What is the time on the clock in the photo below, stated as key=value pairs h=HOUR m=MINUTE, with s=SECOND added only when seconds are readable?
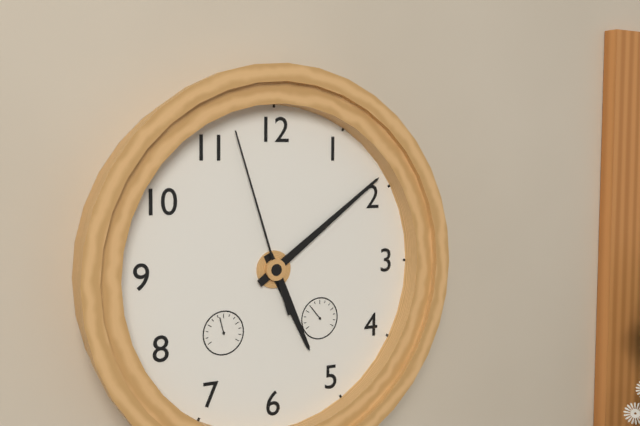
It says h=5 m=9 s=57
